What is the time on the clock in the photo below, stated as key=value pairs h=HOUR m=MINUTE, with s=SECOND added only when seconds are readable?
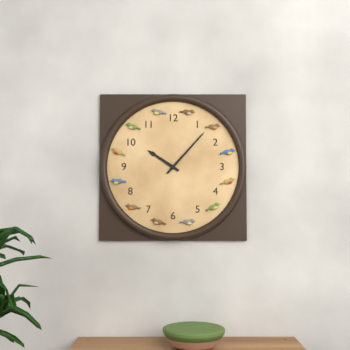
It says h=10 m=7
